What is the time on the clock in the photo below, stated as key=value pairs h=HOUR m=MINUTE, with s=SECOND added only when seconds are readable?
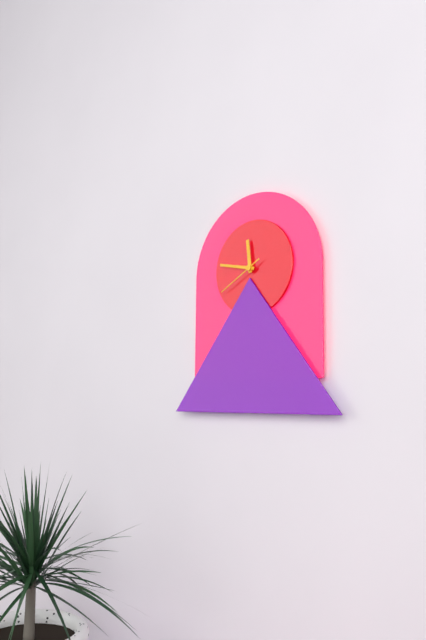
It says h=11 m=47
